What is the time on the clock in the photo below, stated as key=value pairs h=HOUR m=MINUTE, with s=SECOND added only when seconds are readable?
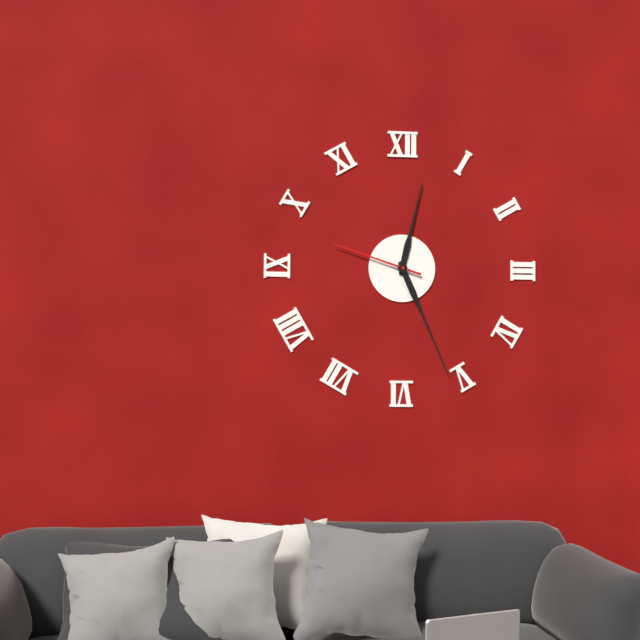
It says h=12 m=26 s=48
